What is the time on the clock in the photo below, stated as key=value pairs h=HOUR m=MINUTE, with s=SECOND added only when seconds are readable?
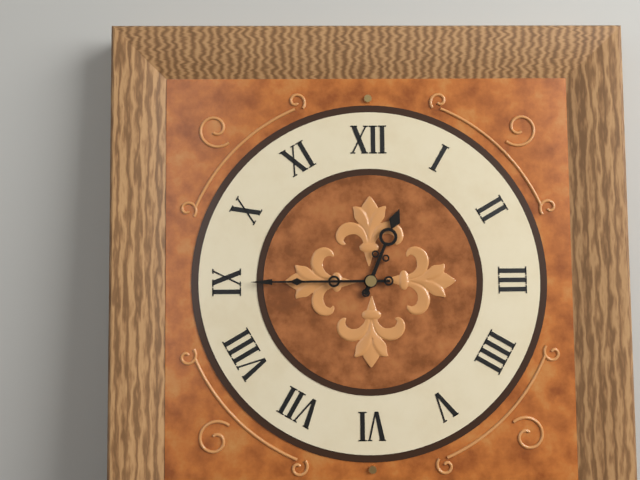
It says h=12 m=45
